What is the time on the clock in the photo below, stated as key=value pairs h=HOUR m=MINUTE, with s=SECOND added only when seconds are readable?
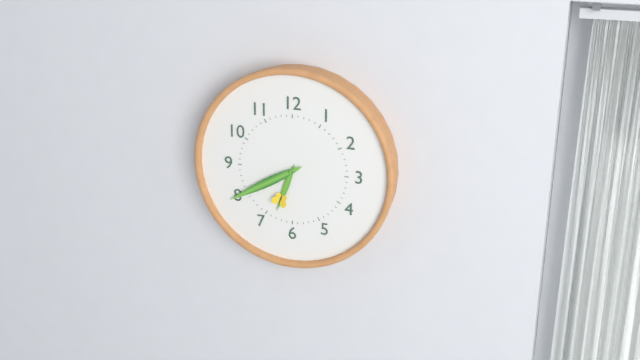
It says h=6 m=40
